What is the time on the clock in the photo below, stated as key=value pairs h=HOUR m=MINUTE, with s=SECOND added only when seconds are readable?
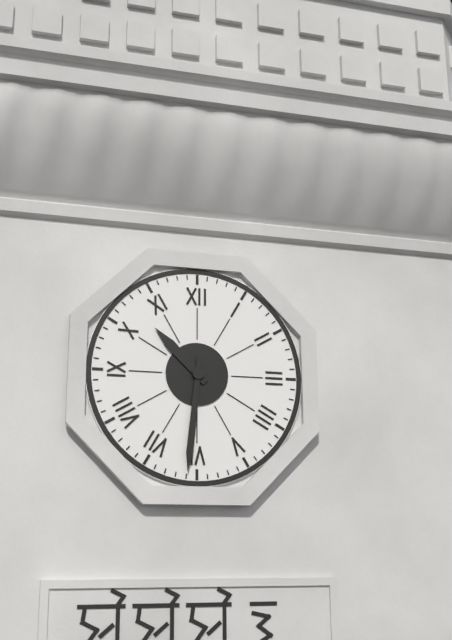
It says h=10 m=31
